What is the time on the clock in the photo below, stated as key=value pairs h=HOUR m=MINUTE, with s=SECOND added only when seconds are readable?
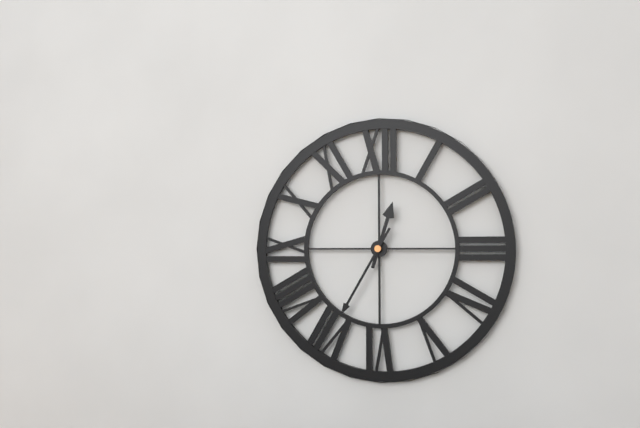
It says h=12 m=35
